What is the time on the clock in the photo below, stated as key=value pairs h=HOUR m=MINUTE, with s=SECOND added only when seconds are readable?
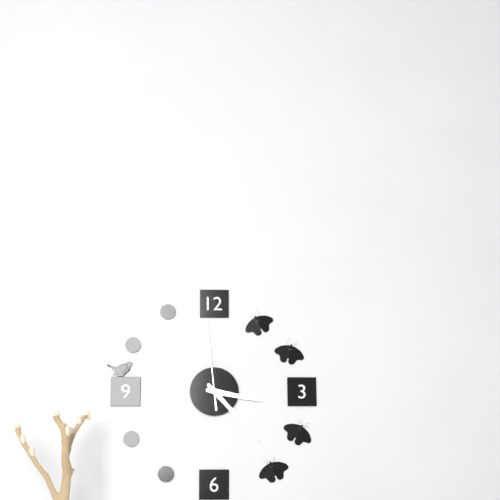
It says h=3 m=23 s=59
